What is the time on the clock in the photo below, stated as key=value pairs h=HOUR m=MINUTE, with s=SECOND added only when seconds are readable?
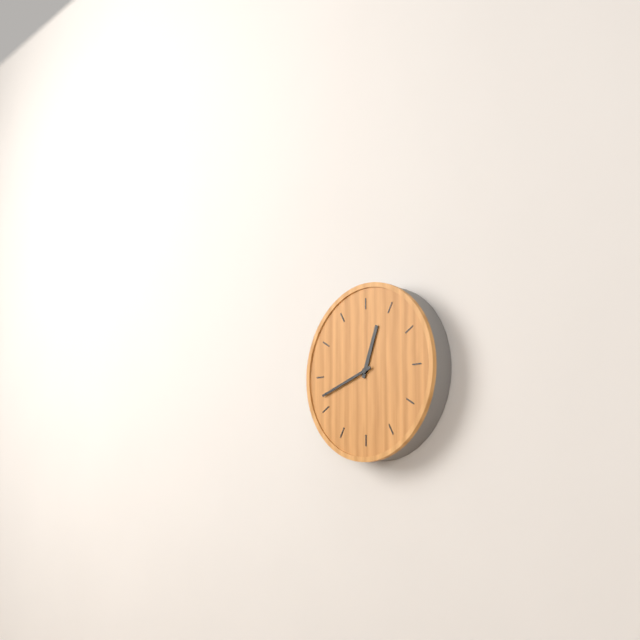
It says h=12 m=42
